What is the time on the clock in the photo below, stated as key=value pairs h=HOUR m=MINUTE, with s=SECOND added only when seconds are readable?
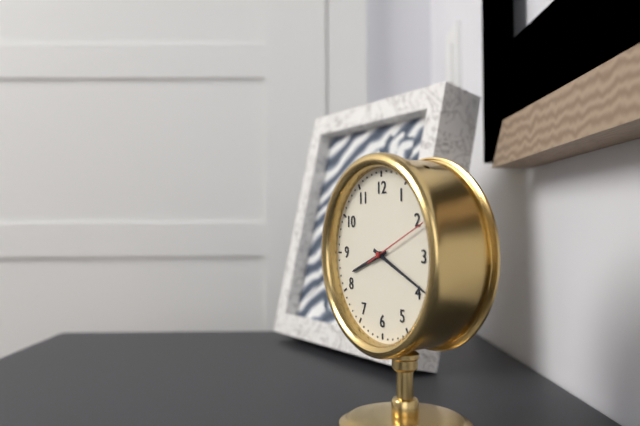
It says h=8 m=19
